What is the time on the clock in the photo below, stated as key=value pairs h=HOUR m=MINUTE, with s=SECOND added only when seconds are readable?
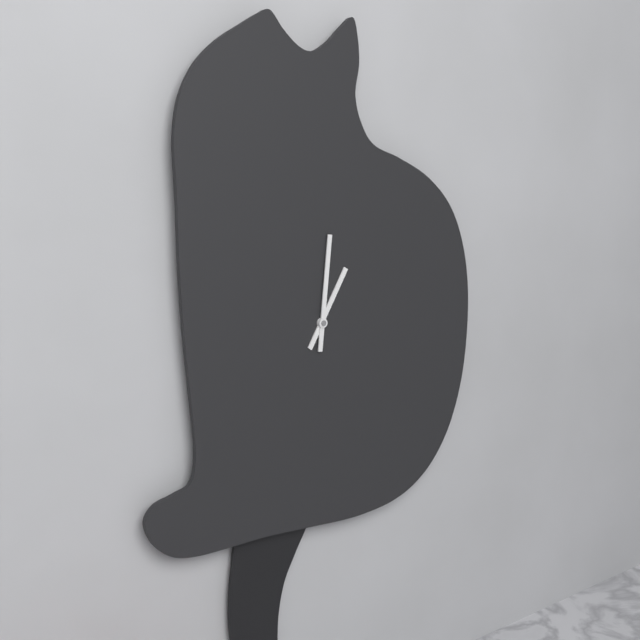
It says h=1 m=1
